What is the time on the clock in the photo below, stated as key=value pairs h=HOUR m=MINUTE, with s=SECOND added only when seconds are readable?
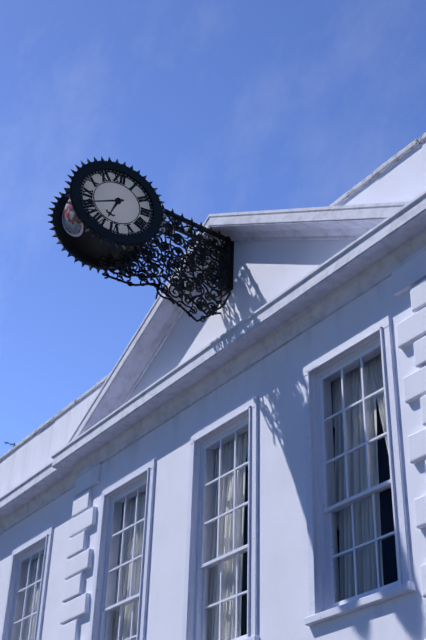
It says h=6 m=41
